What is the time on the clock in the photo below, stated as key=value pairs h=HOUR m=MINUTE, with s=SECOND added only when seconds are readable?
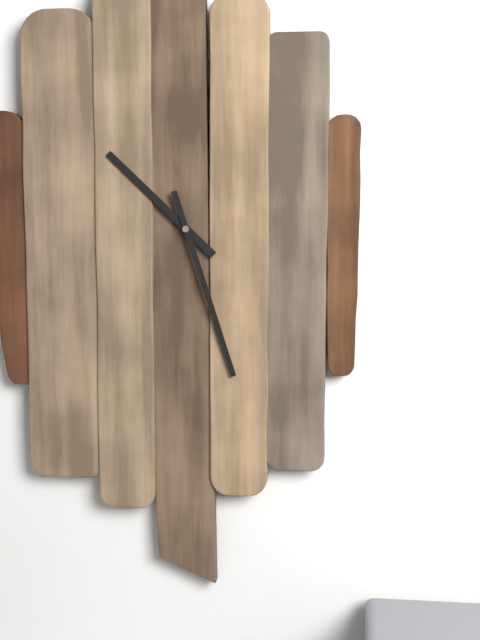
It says h=10 m=27
